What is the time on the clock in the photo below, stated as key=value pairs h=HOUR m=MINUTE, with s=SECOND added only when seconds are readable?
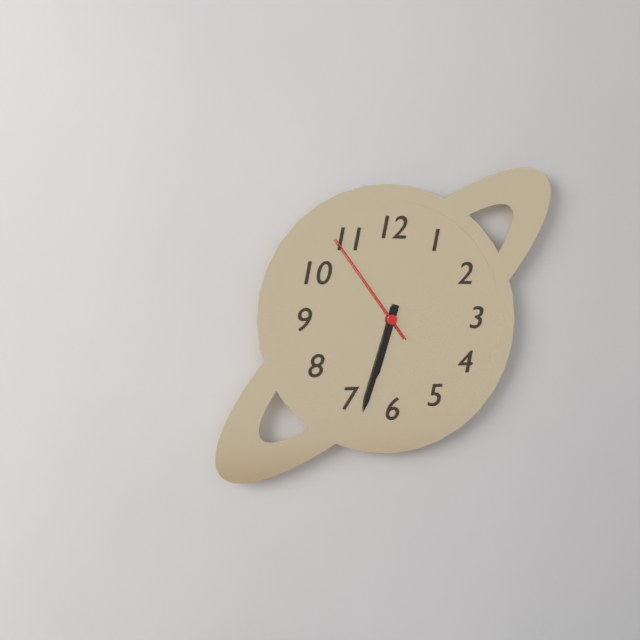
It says h=6 m=33 s=54
